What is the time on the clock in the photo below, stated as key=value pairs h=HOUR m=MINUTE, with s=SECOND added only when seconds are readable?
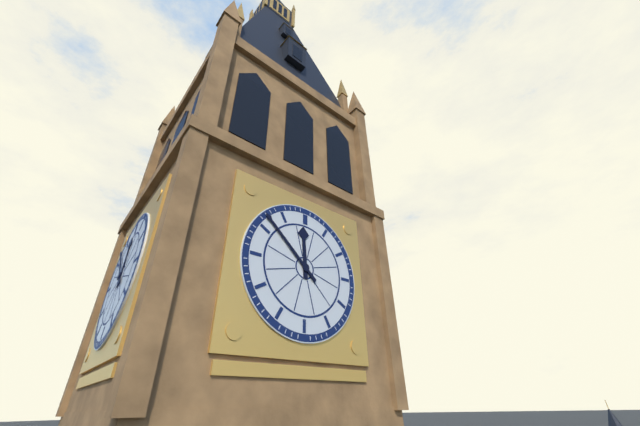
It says h=11 m=52
